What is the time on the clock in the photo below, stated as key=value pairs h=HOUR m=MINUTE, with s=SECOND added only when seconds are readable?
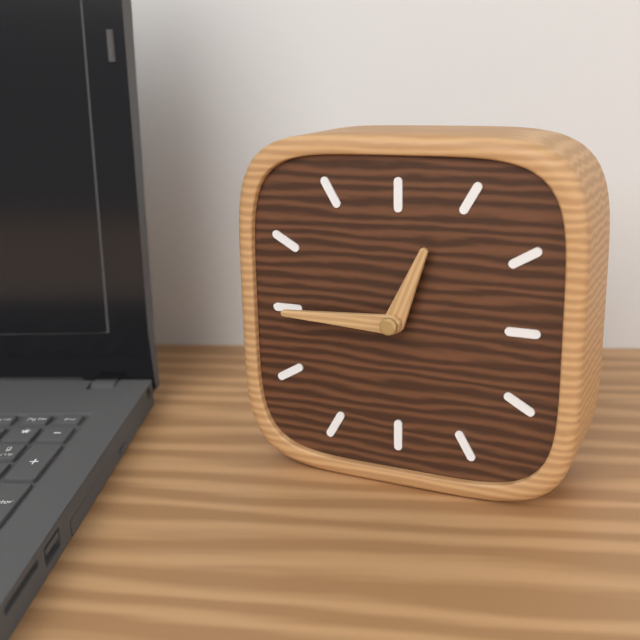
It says h=12 m=45
